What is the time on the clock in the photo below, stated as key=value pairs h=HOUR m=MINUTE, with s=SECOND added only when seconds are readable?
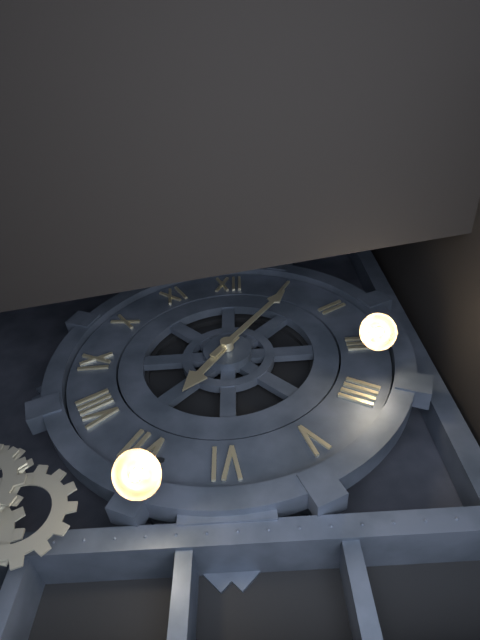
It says h=7 m=6
